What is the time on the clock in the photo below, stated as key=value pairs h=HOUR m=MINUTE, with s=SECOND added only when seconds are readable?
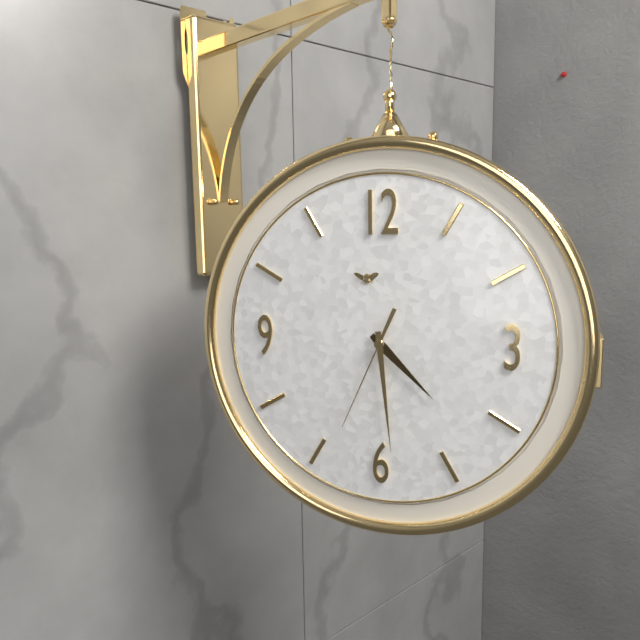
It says h=4 m=29 s=34
